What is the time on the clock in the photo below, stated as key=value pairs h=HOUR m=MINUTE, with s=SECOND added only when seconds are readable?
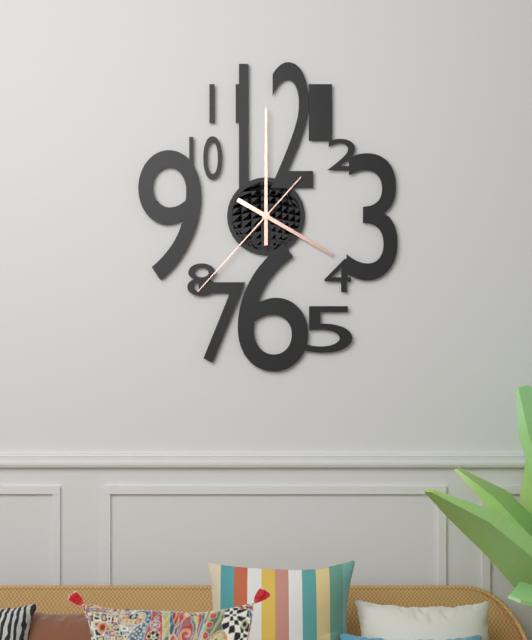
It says h=4 m=0 s=37
